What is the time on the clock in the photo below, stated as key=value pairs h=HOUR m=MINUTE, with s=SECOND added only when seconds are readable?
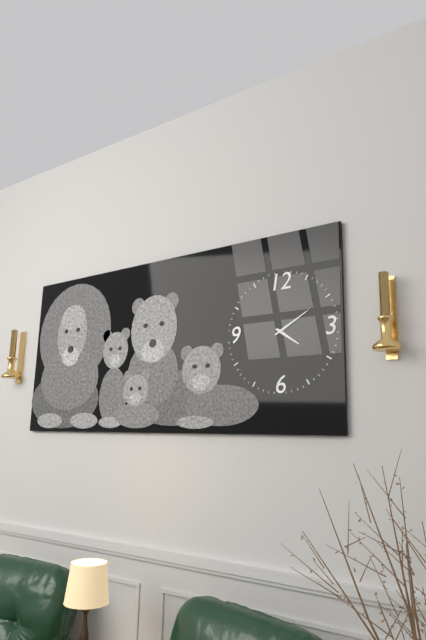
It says h=4 m=10
